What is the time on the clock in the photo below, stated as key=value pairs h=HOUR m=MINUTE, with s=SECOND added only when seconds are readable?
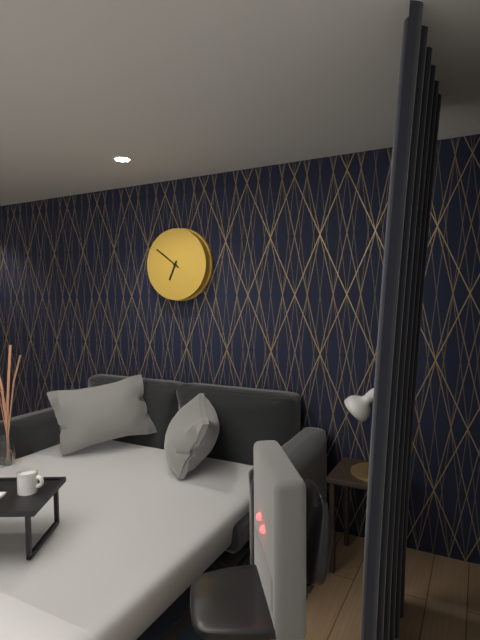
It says h=6 m=51
